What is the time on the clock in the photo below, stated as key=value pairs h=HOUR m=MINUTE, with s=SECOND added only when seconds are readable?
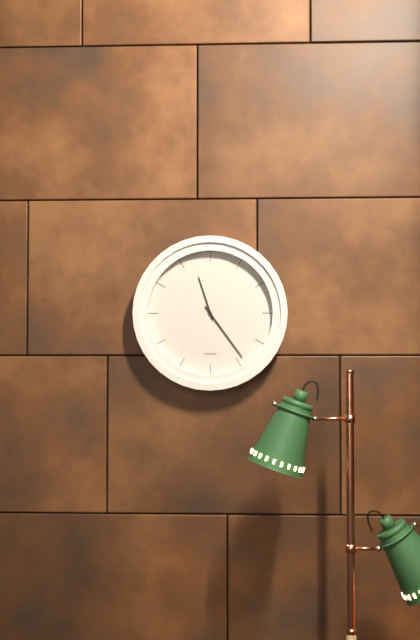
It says h=11 m=24
